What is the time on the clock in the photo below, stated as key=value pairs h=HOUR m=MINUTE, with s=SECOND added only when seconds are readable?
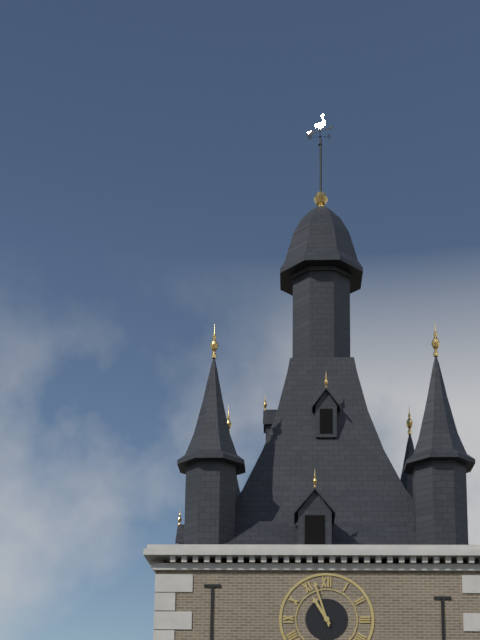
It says h=10 m=57
